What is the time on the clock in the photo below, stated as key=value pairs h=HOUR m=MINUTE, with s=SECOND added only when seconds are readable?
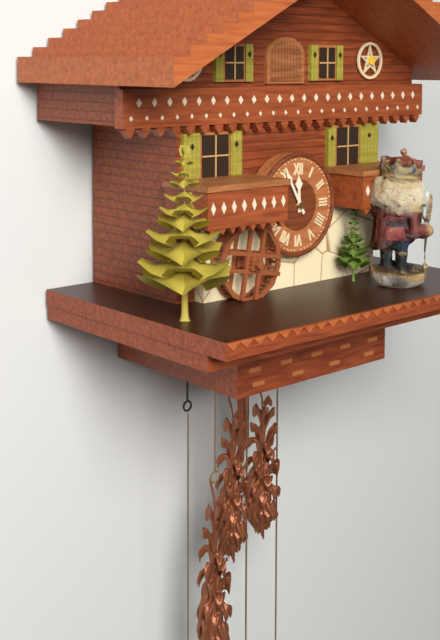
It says h=11 m=55
